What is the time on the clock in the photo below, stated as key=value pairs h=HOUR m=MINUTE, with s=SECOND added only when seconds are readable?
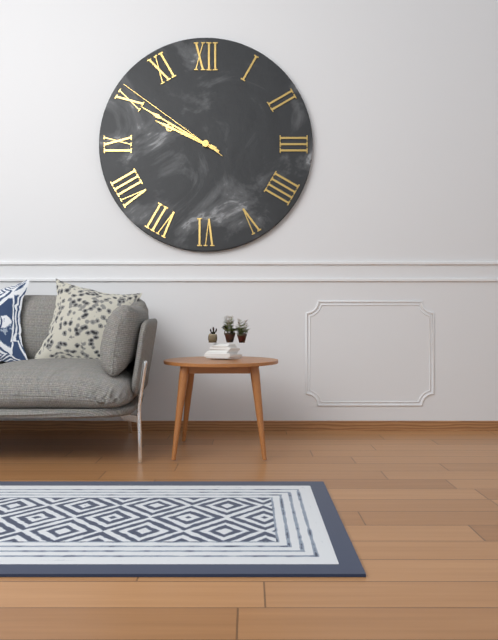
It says h=9 m=50 s=51
